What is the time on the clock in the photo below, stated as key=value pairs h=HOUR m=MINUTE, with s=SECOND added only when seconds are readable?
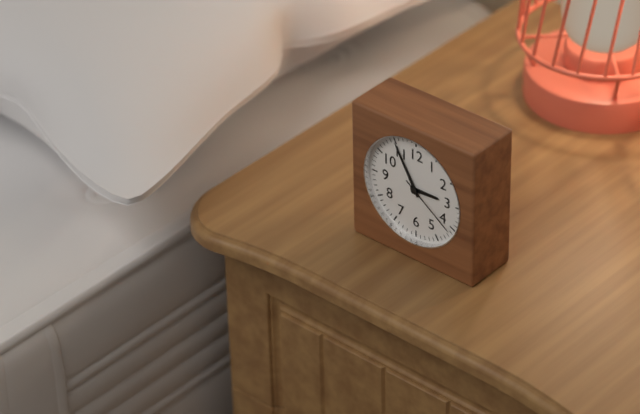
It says h=2 m=55 s=21
